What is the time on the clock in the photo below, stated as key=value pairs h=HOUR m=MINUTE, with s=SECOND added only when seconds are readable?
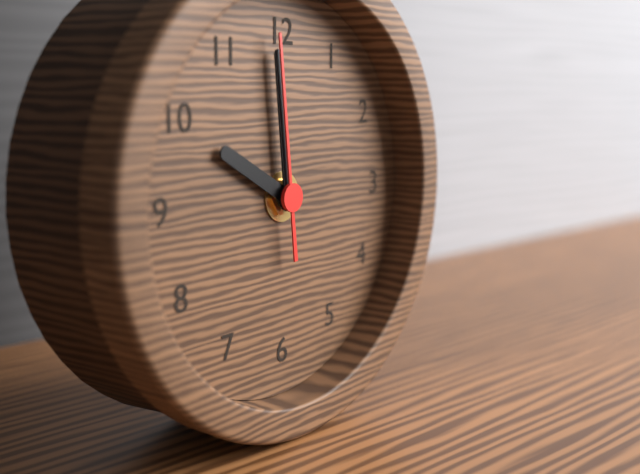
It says h=9 m=59 s=59
